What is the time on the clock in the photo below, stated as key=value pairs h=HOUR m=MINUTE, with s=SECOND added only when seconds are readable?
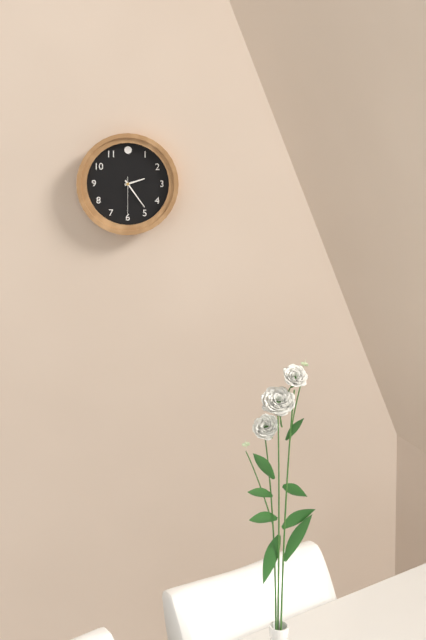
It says h=2 m=24
